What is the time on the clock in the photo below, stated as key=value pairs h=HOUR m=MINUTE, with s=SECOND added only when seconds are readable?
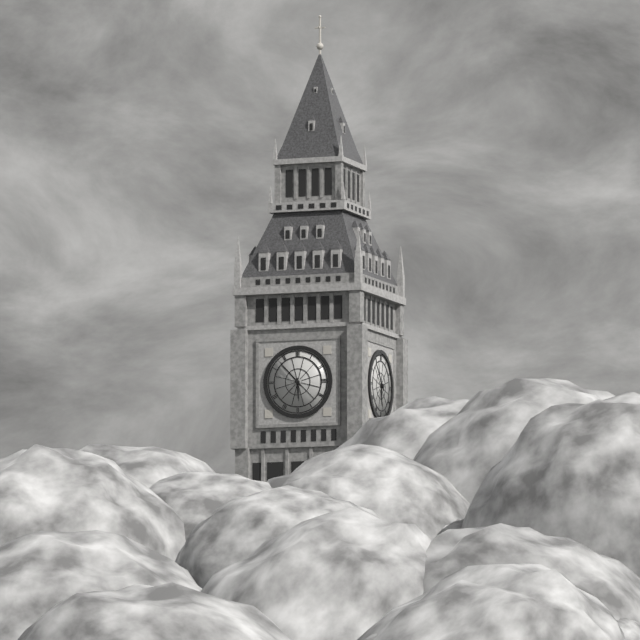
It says h=5 m=53
